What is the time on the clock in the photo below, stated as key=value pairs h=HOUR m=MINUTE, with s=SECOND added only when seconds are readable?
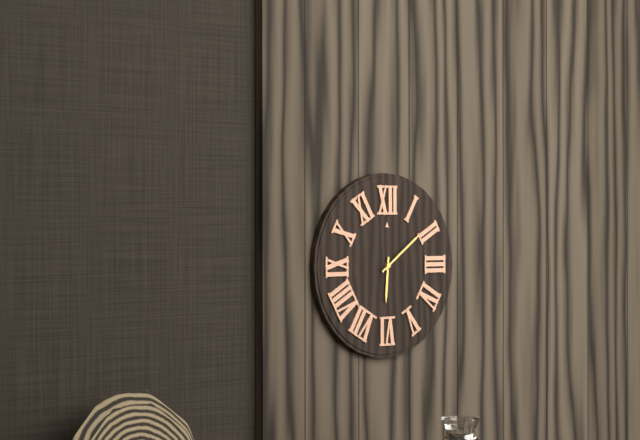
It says h=6 m=9
